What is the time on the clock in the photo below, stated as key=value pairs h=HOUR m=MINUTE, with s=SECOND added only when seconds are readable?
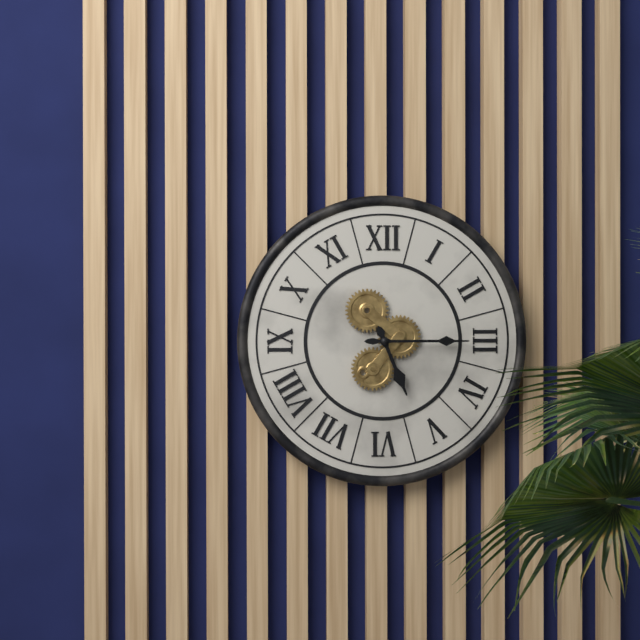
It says h=5 m=15
